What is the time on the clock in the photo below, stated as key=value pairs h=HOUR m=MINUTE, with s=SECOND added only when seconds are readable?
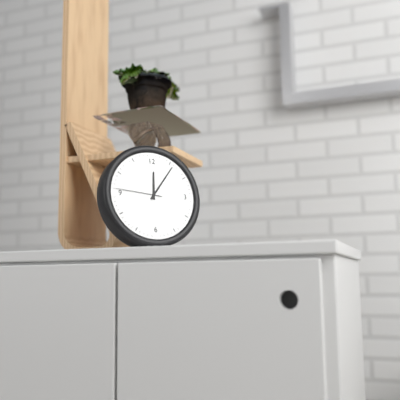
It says h=12 m=6
